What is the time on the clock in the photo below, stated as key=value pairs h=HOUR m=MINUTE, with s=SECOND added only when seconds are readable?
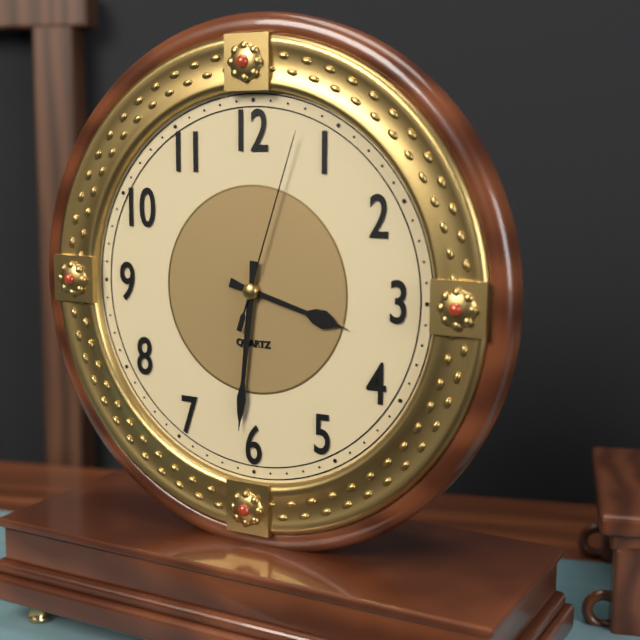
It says h=3 m=31 s=3
